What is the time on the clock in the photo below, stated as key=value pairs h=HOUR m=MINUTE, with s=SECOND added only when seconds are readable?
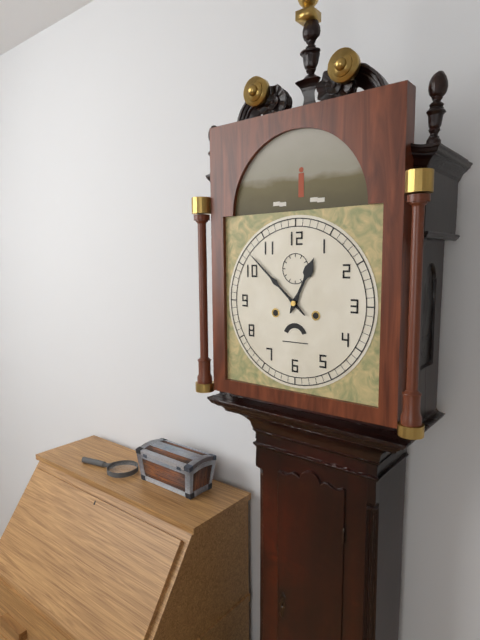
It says h=12 m=52
